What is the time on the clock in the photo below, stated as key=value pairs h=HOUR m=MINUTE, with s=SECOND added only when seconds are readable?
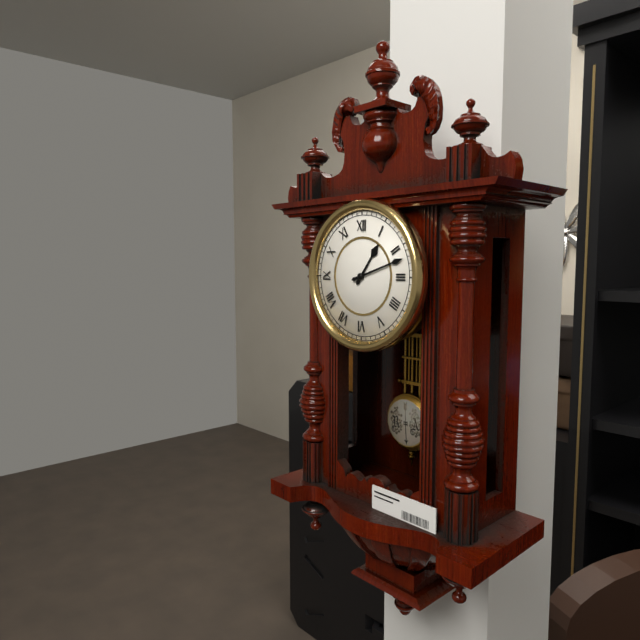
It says h=1 m=12
